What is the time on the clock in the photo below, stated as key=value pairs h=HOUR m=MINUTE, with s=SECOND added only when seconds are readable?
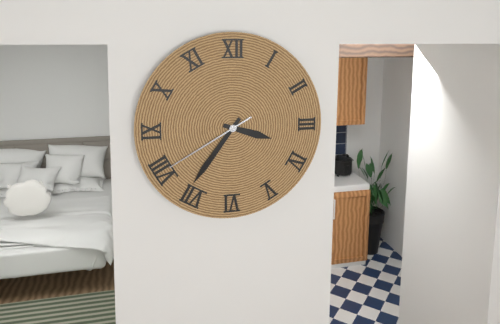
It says h=3 m=36 s=40
